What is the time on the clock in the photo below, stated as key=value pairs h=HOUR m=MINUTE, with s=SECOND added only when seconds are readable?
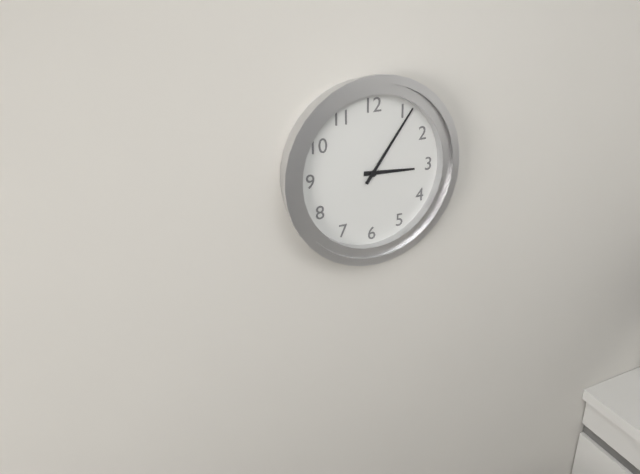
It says h=3 m=6
